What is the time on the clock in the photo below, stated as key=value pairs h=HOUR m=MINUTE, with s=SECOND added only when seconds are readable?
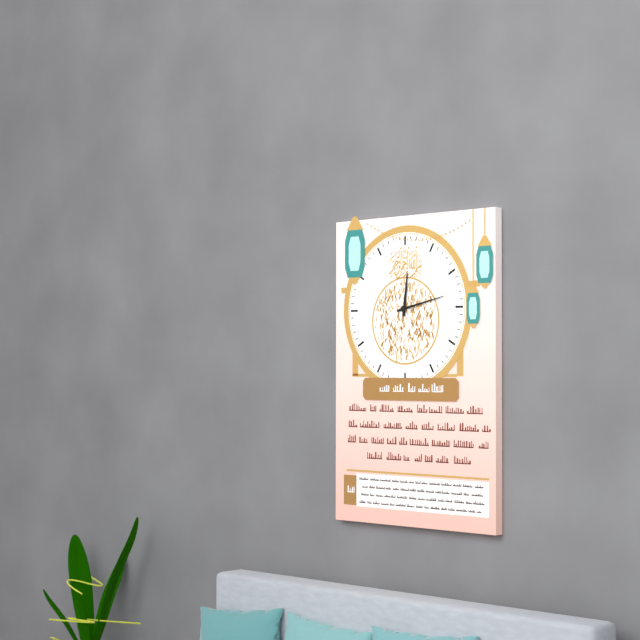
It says h=12 m=13
